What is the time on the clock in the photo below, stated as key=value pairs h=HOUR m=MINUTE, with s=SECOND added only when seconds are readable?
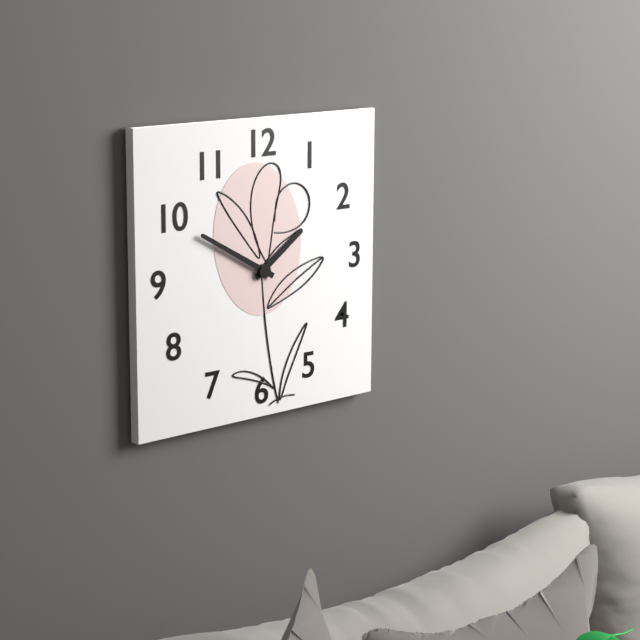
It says h=1 m=50
